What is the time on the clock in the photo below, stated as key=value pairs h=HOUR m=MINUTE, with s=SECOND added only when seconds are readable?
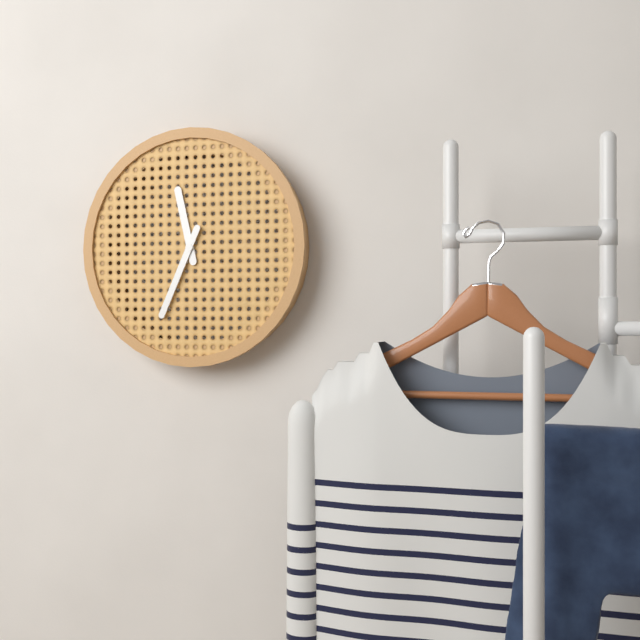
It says h=11 m=34
